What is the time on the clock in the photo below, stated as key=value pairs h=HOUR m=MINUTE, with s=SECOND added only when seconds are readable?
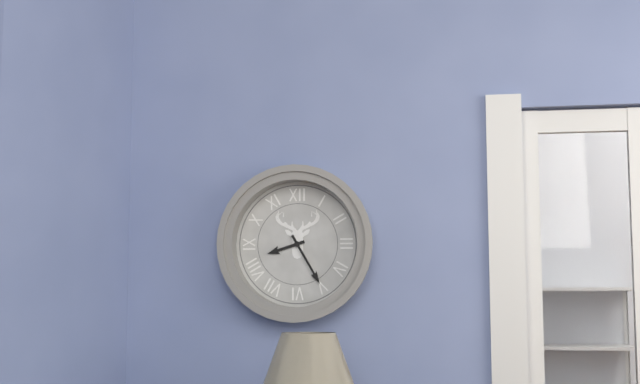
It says h=8 m=25
